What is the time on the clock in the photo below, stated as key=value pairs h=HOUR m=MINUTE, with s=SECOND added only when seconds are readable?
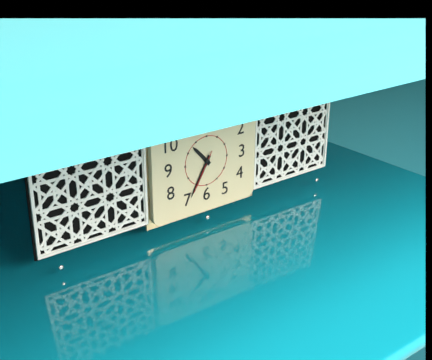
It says h=10 m=35
